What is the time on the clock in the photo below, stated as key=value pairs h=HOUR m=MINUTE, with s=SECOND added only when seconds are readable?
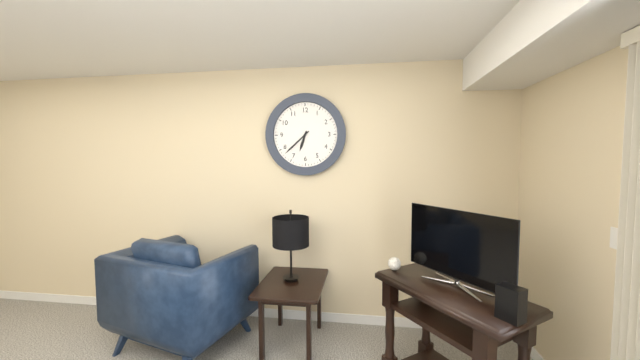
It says h=6 m=38
